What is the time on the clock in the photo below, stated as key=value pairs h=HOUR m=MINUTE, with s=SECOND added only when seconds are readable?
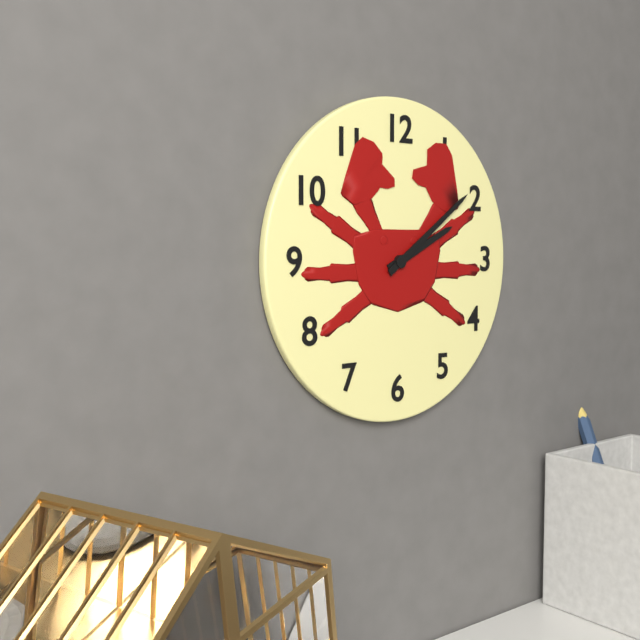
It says h=2 m=9
